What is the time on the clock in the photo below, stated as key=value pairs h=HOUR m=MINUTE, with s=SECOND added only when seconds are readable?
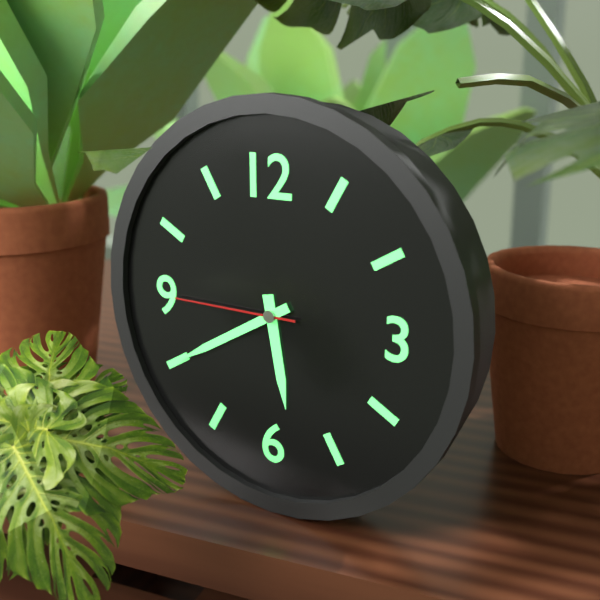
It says h=5 m=40 s=45
